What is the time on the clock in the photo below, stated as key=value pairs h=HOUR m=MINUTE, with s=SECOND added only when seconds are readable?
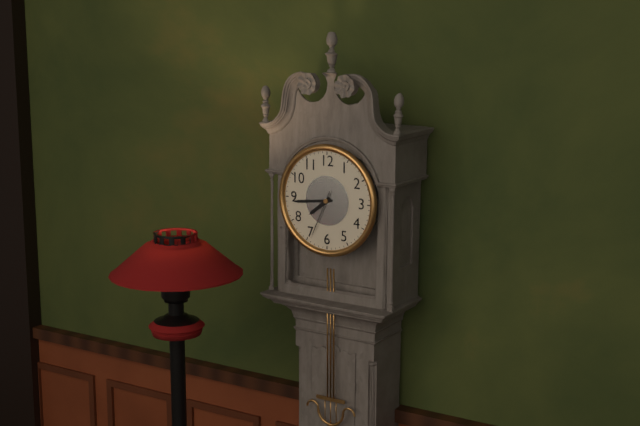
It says h=7 m=44
